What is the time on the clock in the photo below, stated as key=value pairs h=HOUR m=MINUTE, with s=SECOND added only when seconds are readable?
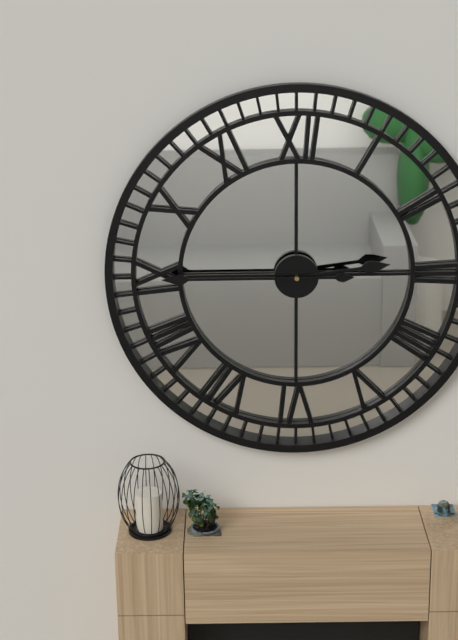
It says h=2 m=45
